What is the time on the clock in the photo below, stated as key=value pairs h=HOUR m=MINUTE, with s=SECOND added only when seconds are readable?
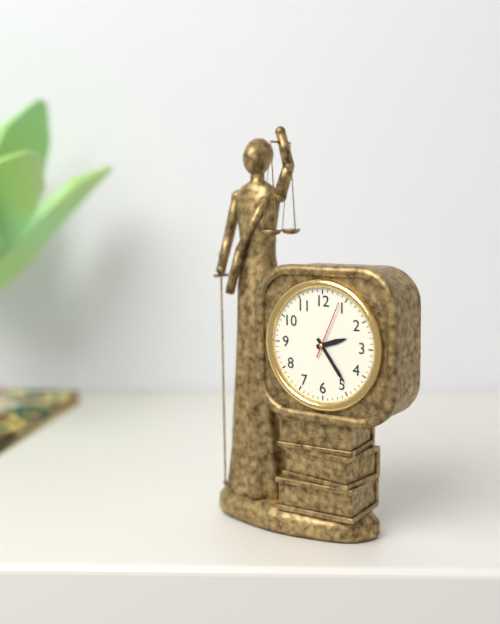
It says h=2 m=24 s=4
